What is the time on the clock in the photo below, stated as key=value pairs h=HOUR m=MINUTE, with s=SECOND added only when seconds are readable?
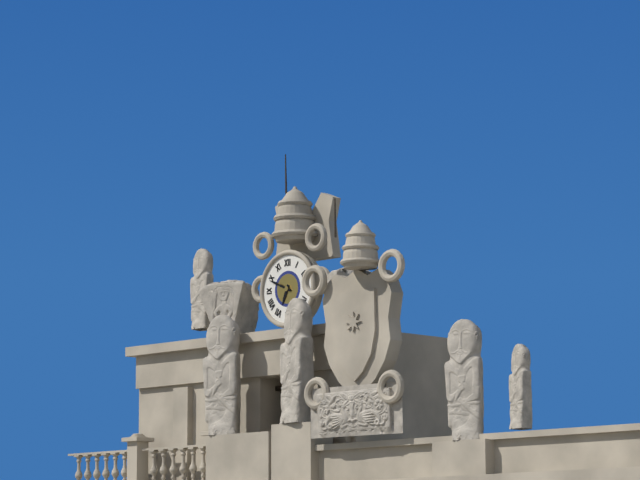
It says h=6 m=49
